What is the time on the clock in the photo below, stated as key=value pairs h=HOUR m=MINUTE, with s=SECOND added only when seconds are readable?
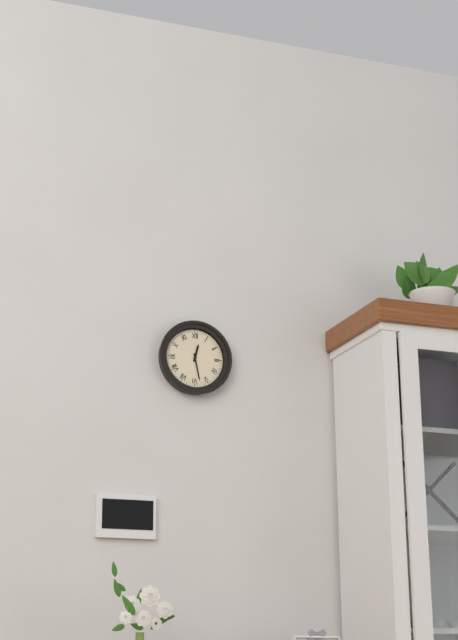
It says h=12 m=28
